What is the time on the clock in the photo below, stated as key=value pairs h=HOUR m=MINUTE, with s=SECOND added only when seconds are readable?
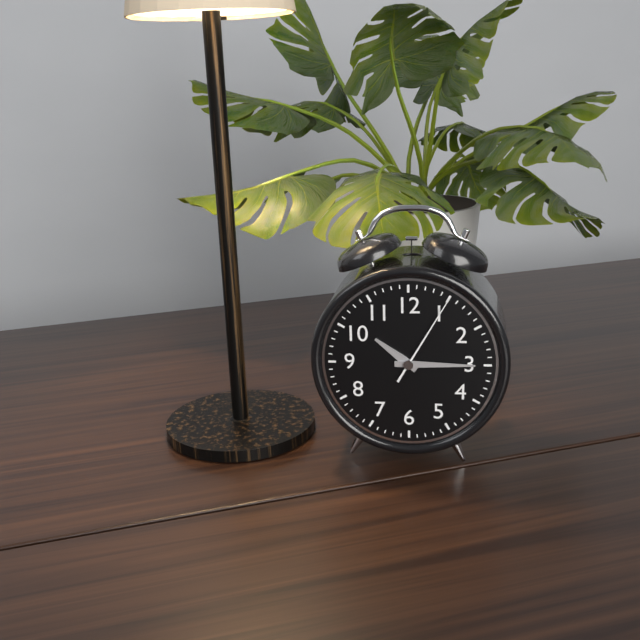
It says h=10 m=15 s=5
